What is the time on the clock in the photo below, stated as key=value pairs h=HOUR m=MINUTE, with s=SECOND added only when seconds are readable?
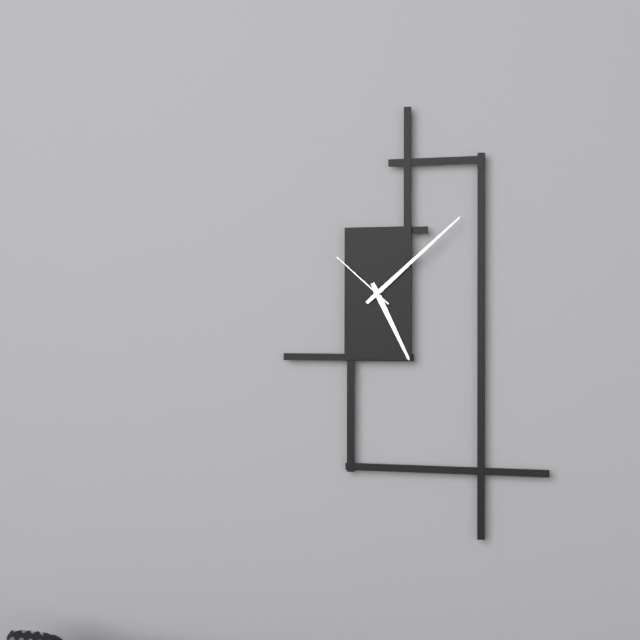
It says h=5 m=8 s=52
